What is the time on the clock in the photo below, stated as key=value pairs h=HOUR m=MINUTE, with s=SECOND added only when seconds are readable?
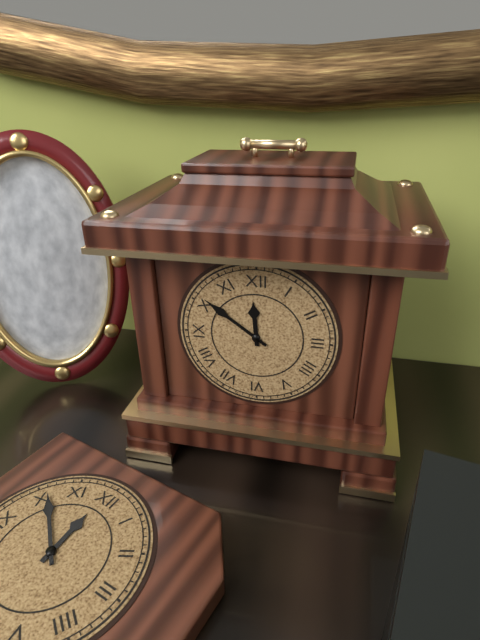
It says h=11 m=51
